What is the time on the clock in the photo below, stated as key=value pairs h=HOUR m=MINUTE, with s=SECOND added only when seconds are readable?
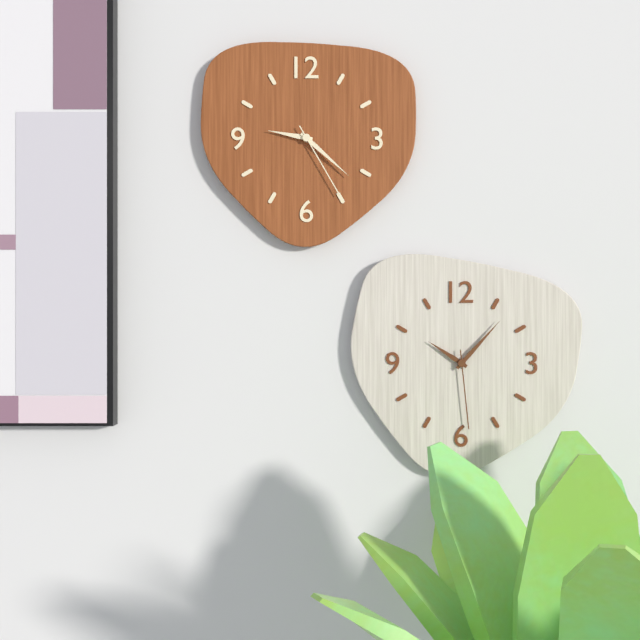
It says h=9 m=22 s=25
